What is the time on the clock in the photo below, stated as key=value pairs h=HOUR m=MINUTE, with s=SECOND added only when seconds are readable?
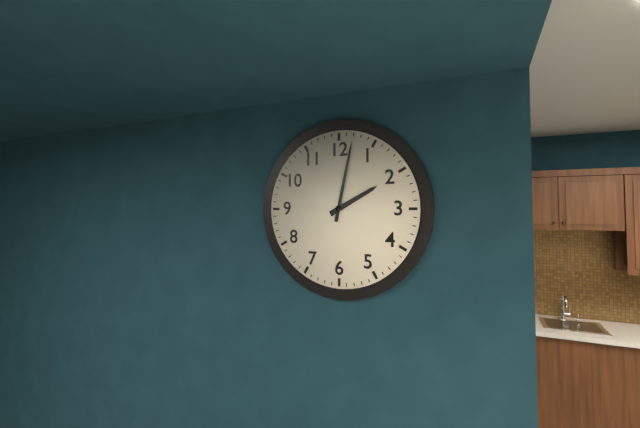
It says h=2 m=2
